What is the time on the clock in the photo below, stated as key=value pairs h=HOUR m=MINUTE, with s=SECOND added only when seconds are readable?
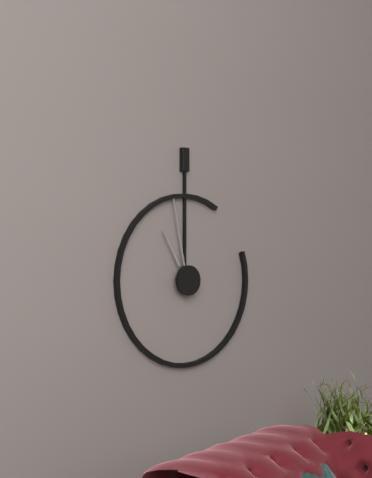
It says h=10 m=58
